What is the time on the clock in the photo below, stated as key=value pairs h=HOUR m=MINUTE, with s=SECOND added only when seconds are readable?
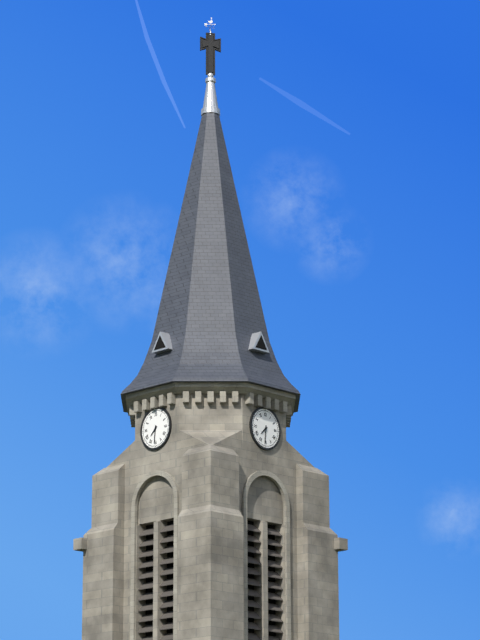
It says h=7 m=31
